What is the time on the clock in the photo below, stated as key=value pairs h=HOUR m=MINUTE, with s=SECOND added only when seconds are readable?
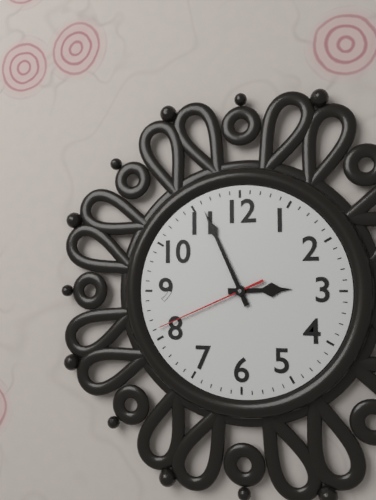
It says h=2 m=56 s=41
